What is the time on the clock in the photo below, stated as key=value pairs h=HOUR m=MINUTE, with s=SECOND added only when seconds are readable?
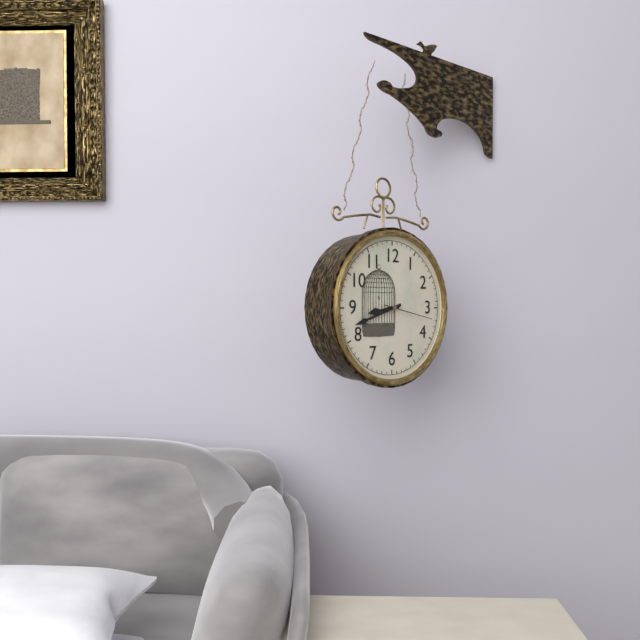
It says h=8 m=42
